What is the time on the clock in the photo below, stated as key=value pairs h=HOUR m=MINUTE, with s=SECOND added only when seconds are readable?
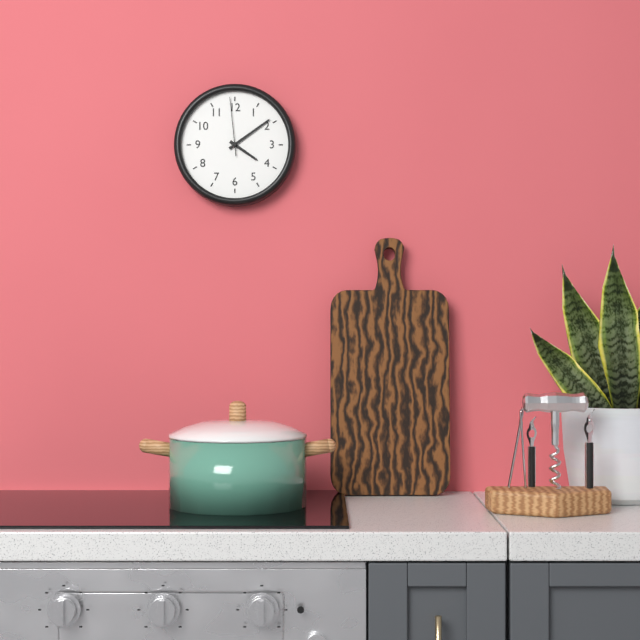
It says h=4 m=9 s=59
